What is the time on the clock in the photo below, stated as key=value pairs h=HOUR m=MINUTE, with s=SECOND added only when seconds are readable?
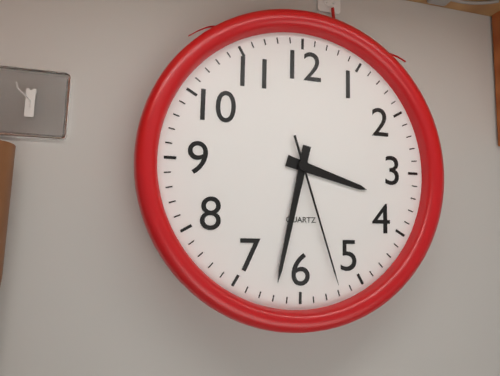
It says h=3 m=32 s=27
